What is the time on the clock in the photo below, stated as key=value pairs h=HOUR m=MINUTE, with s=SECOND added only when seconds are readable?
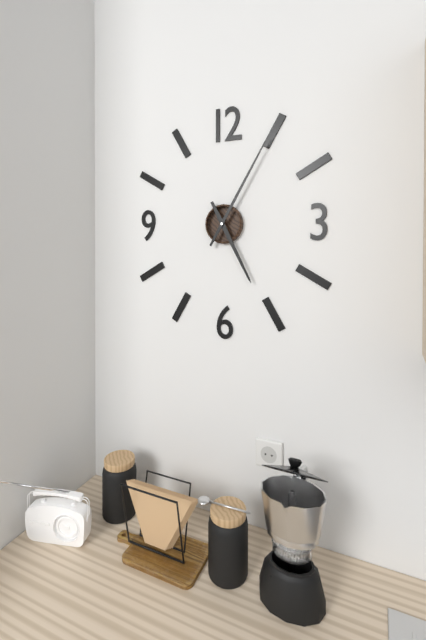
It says h=5 m=5
